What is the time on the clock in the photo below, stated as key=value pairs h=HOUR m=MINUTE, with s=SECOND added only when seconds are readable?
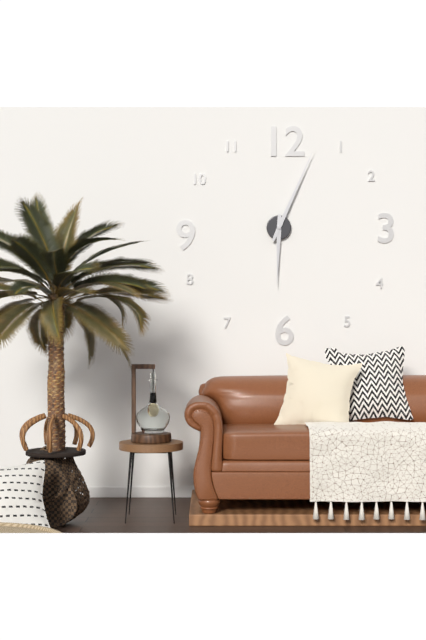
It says h=6 m=4
